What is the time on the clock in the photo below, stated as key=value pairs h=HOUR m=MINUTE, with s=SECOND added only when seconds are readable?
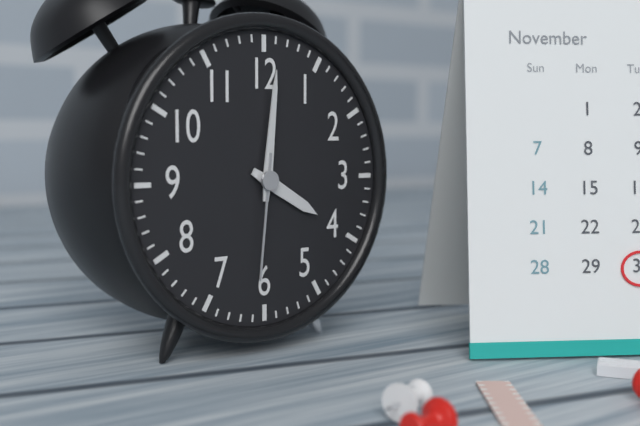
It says h=4 m=1 s=31
